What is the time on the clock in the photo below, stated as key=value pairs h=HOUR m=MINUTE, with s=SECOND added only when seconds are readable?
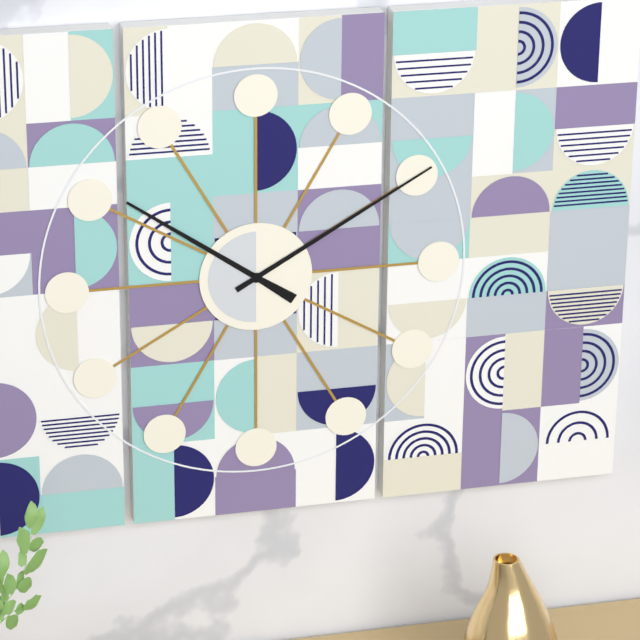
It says h=10 m=10
